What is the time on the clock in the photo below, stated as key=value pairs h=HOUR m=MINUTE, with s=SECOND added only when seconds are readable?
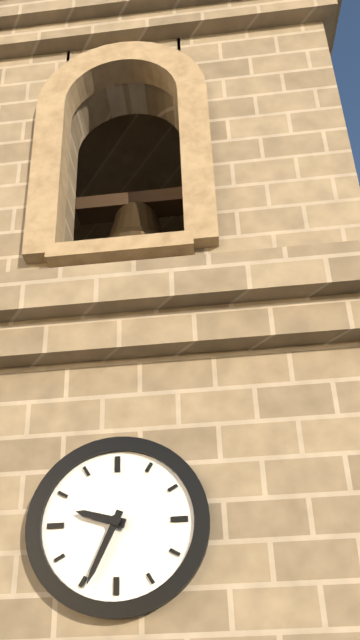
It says h=9 m=34
